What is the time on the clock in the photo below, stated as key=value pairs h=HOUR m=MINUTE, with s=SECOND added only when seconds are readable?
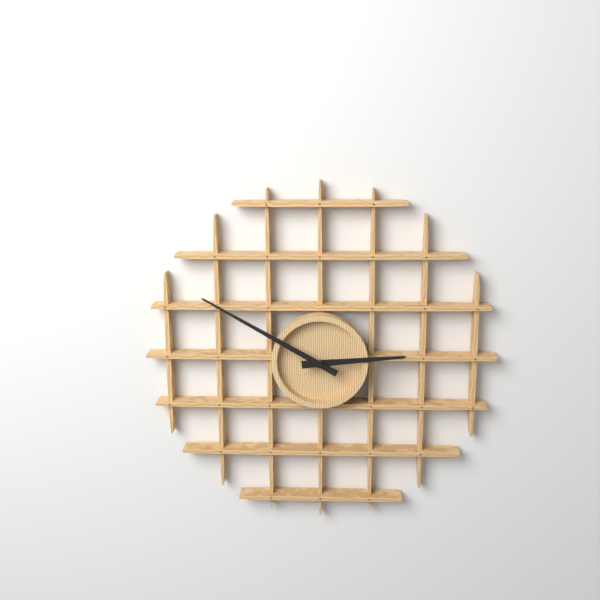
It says h=2 m=50
